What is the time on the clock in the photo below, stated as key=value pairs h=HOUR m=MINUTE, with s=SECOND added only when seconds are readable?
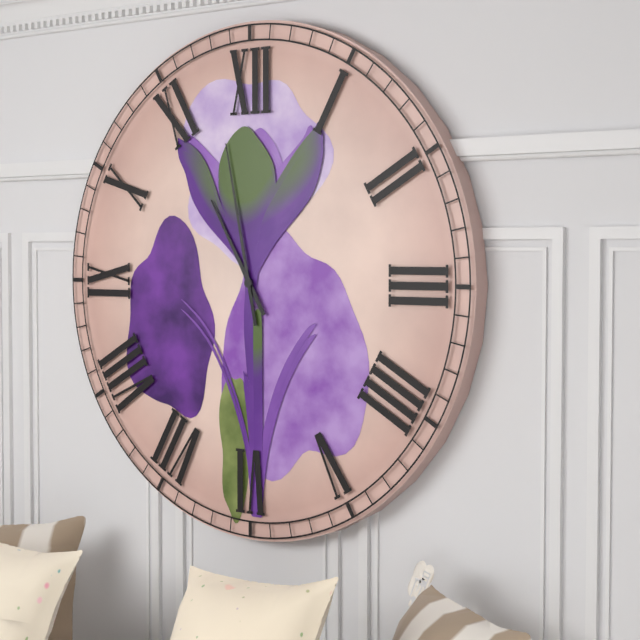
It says h=10 m=58
